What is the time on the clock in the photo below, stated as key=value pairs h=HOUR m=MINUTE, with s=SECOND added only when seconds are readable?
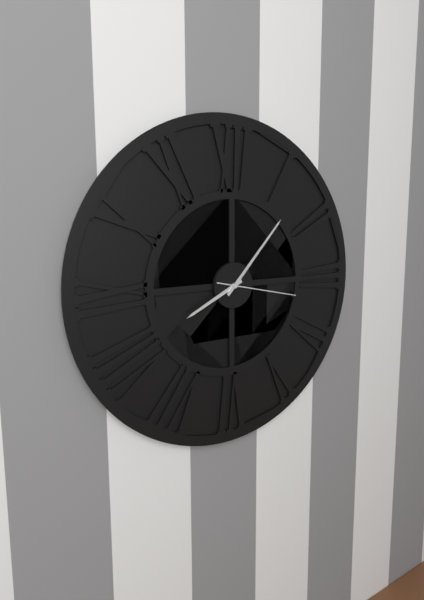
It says h=8 m=7 s=17
